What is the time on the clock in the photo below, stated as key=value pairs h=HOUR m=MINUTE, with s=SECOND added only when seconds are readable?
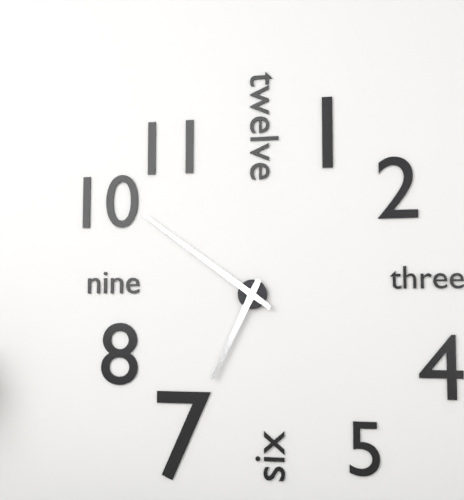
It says h=6 m=51
